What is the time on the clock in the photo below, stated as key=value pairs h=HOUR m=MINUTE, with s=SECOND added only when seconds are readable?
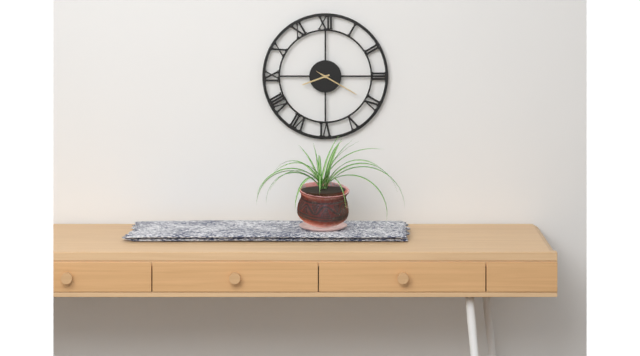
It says h=8 m=20
